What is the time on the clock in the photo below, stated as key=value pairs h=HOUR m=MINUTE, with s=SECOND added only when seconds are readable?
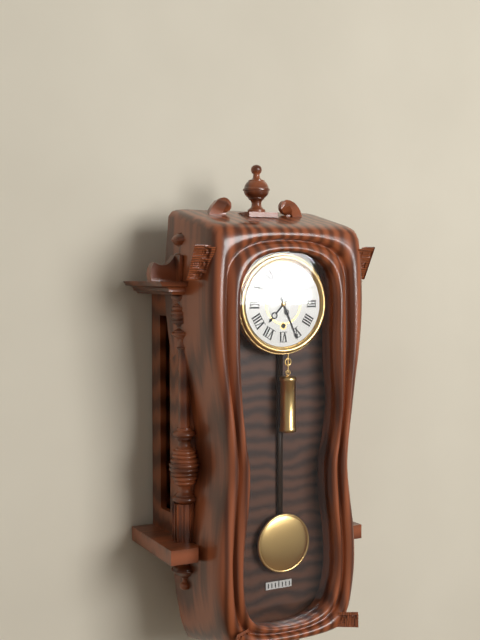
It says h=7 m=26
